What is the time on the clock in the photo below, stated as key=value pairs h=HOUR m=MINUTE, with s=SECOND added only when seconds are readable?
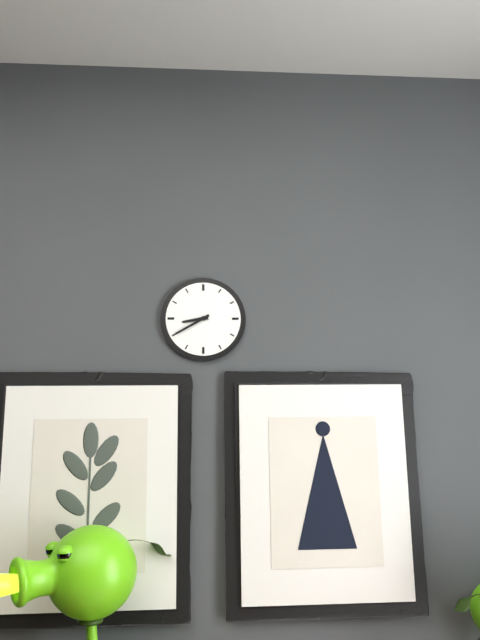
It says h=8 m=40
